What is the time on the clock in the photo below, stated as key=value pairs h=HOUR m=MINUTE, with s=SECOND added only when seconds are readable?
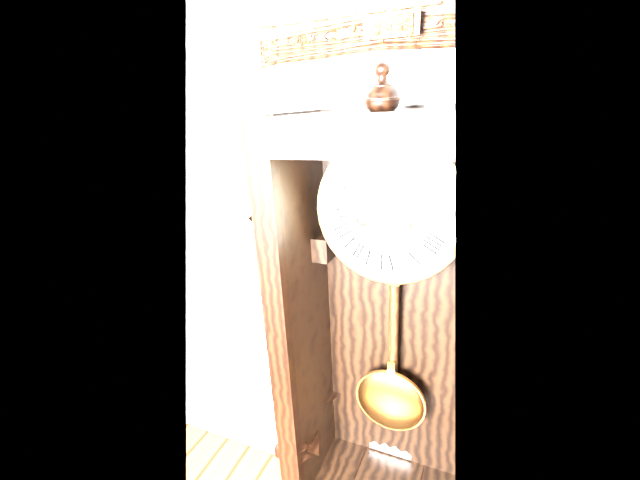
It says h=10 m=50
